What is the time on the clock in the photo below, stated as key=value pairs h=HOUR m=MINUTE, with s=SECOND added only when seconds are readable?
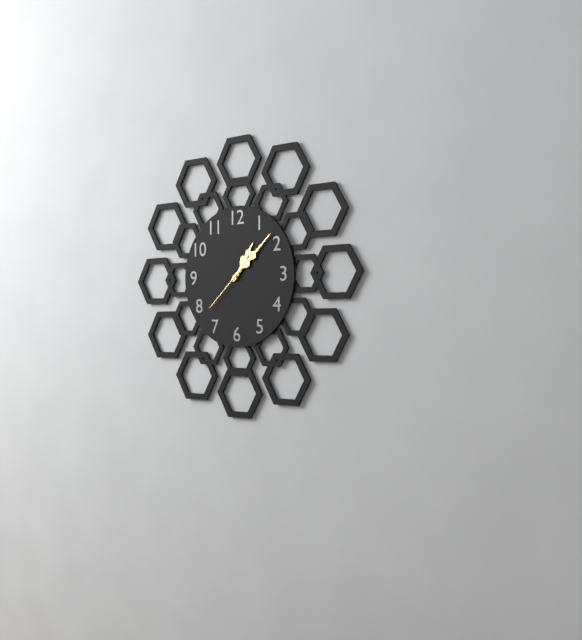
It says h=1 m=8 s=38
